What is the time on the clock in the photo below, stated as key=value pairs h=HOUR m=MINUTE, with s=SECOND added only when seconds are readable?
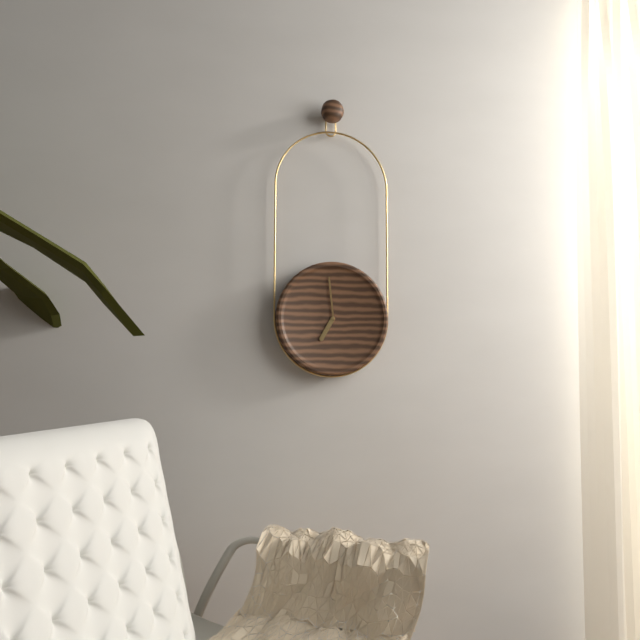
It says h=6 m=59
